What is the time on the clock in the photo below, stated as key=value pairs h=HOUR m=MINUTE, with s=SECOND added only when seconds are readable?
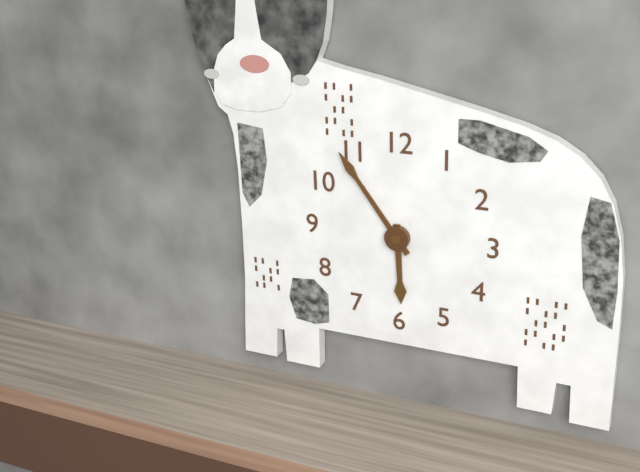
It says h=5 m=54
